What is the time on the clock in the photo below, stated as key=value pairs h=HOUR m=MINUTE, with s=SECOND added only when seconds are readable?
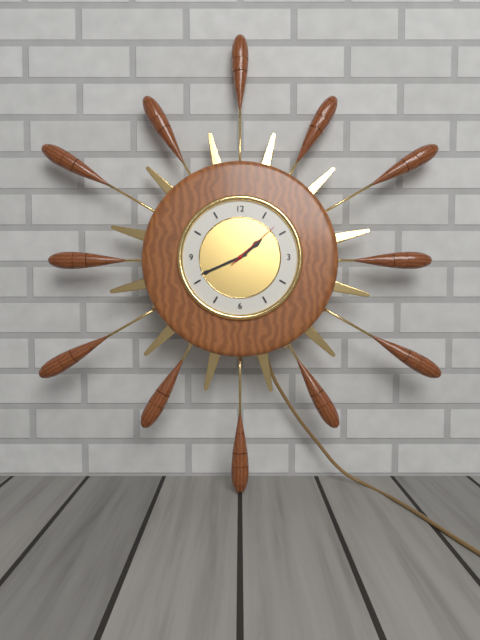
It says h=1 m=41 s=8
